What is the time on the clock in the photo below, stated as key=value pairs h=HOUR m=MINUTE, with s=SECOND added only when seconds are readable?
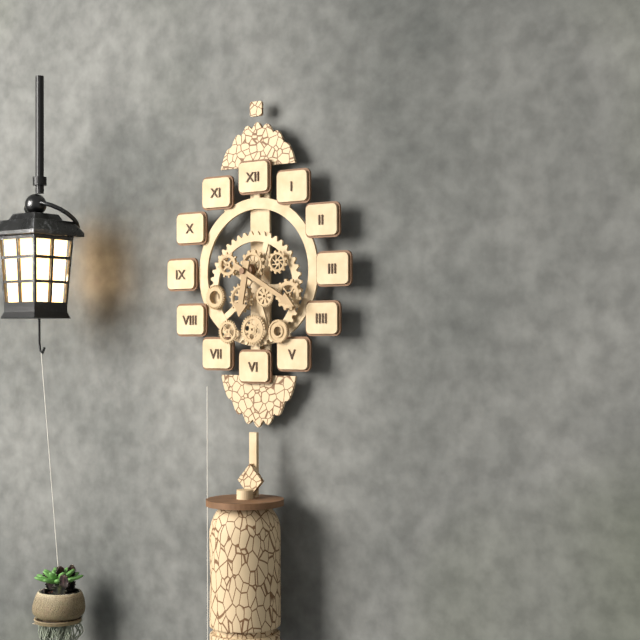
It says h=6 m=20
